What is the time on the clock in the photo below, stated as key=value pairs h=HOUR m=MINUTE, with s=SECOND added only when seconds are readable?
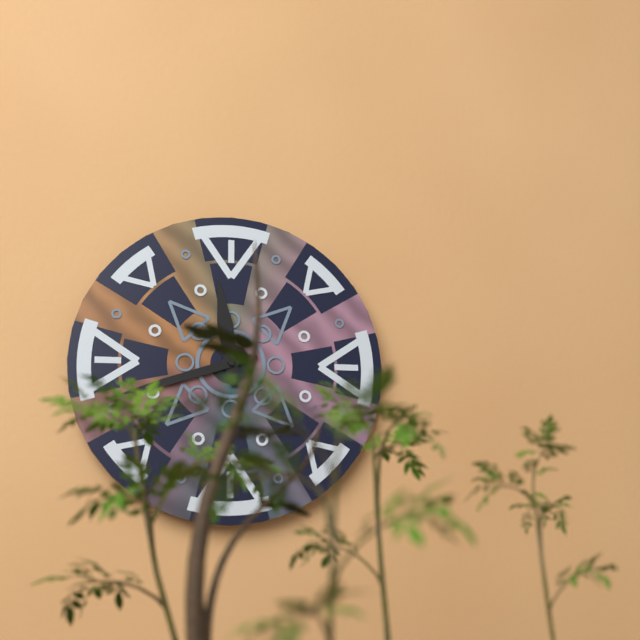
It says h=11 m=42
